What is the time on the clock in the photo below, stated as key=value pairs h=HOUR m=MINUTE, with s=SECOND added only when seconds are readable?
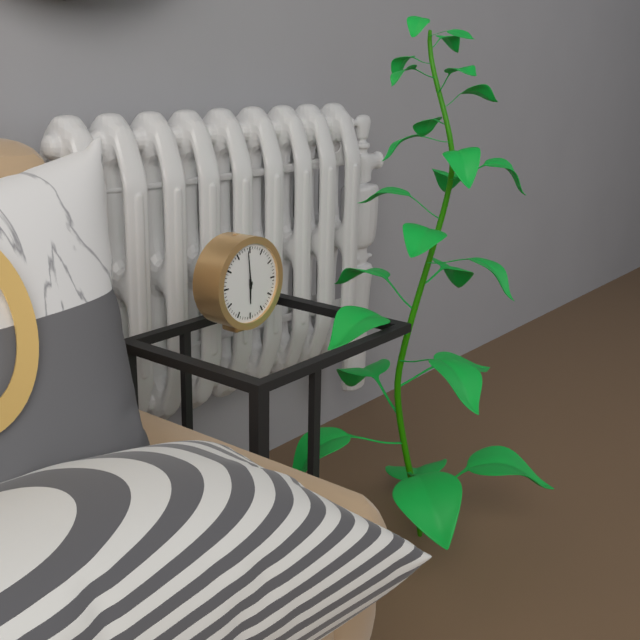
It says h=5 m=59
